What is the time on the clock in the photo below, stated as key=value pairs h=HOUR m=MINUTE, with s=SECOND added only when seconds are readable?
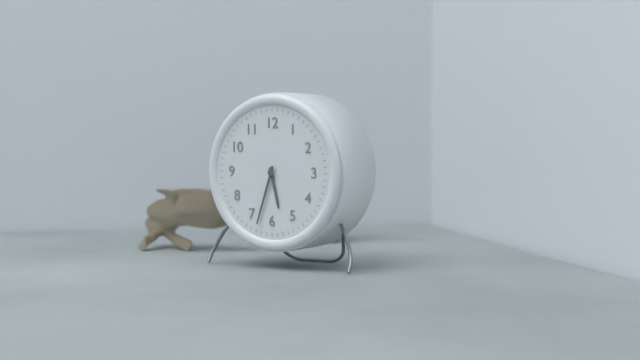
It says h=5 m=33
